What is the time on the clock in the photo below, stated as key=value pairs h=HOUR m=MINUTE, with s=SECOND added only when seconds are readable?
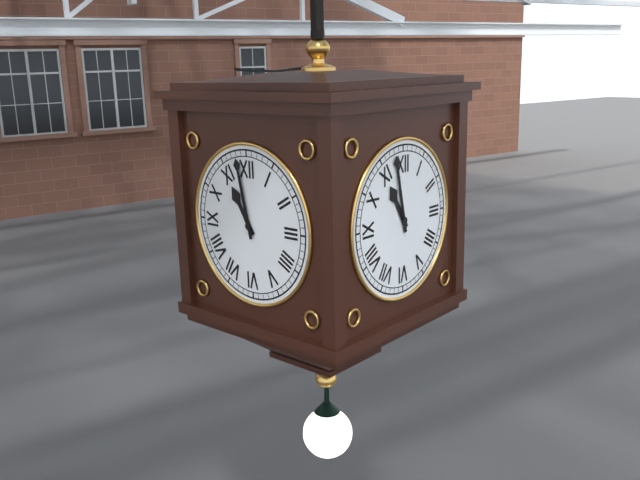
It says h=10 m=58
